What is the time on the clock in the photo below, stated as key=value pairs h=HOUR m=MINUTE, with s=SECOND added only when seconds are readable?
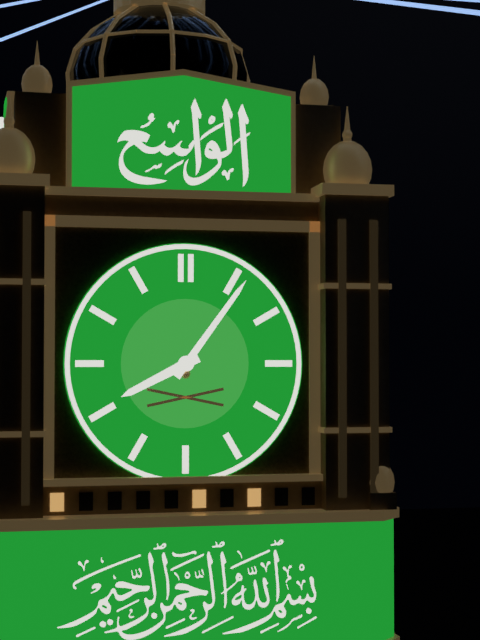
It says h=8 m=6
